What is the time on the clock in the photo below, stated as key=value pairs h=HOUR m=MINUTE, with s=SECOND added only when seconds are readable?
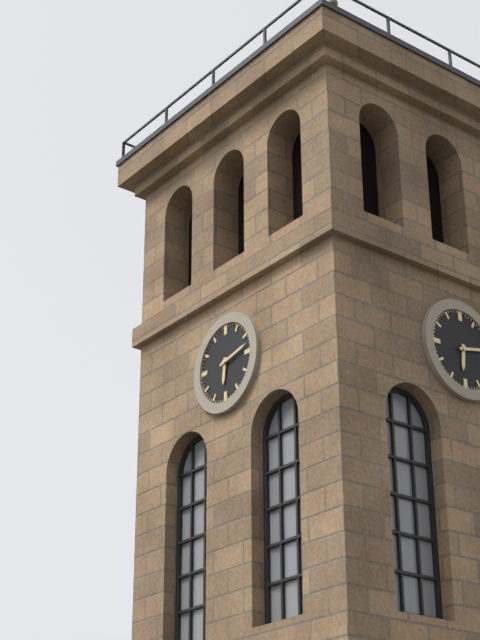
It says h=6 m=13
